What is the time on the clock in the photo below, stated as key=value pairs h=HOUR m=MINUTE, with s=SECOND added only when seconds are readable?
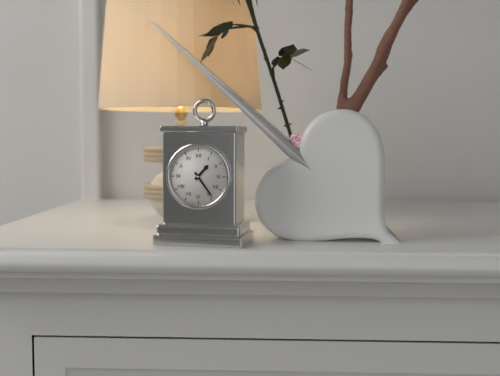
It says h=1 m=24
